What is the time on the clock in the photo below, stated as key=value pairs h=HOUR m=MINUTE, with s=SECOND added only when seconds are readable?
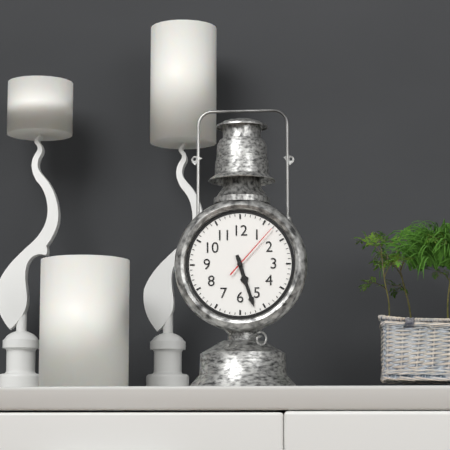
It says h=5 m=27 s=7
